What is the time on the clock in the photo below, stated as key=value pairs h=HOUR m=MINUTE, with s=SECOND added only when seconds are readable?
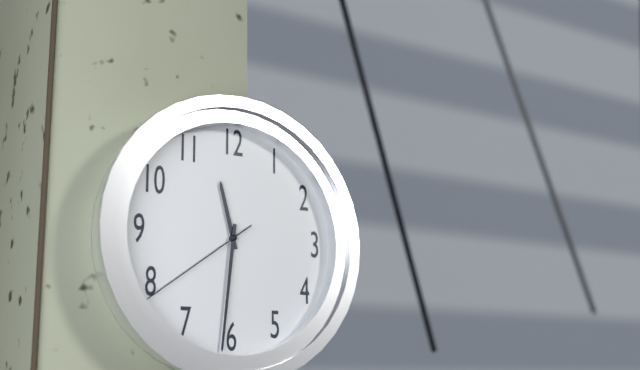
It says h=11 m=31 s=39
